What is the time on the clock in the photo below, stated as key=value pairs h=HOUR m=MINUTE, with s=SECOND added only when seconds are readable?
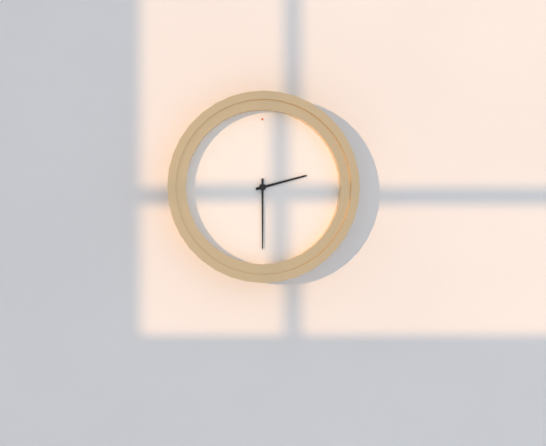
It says h=2 m=30
